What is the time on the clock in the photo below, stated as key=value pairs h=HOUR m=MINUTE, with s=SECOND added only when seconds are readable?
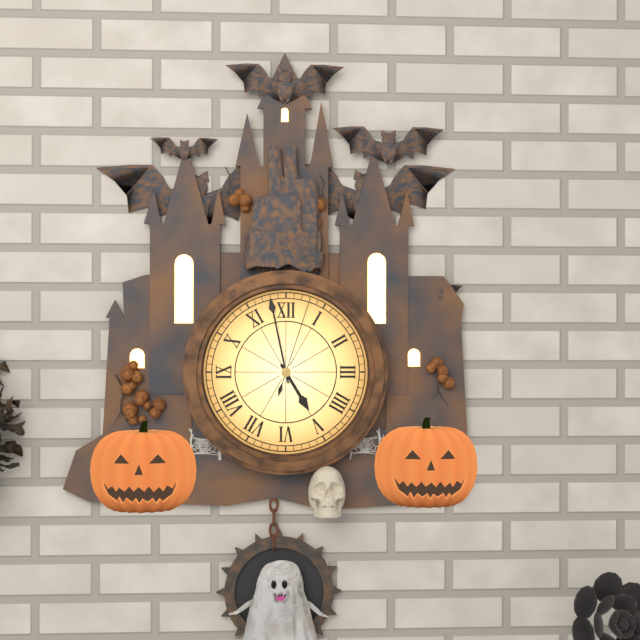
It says h=4 m=58 s=3
